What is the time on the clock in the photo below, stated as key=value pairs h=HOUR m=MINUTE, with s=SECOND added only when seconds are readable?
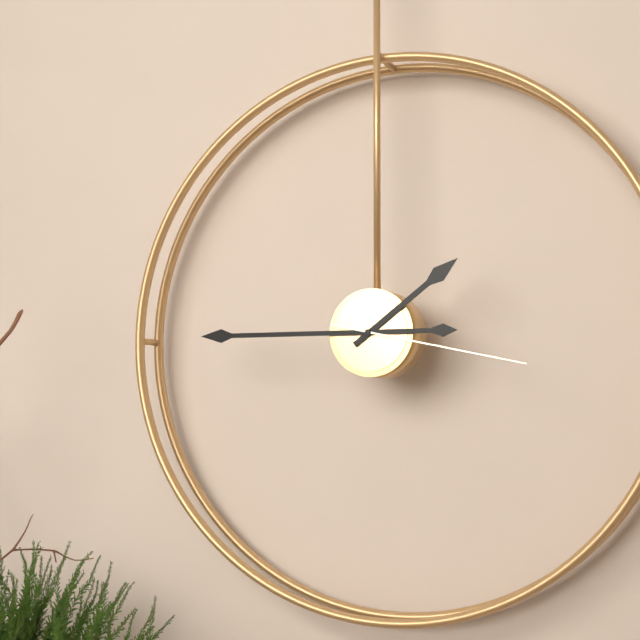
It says h=1 m=45 s=17
